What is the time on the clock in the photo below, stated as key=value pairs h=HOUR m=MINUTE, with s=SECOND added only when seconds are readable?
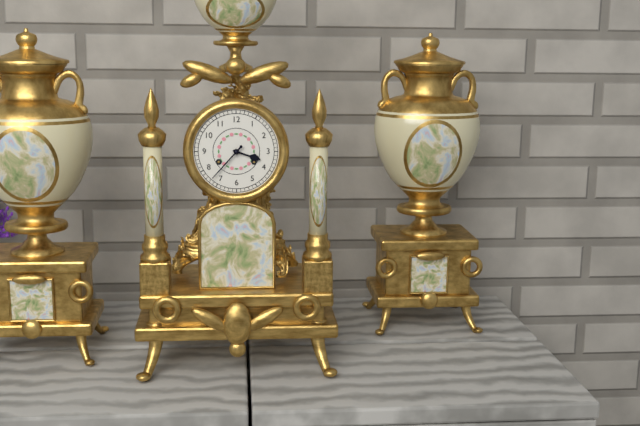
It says h=3 m=37
